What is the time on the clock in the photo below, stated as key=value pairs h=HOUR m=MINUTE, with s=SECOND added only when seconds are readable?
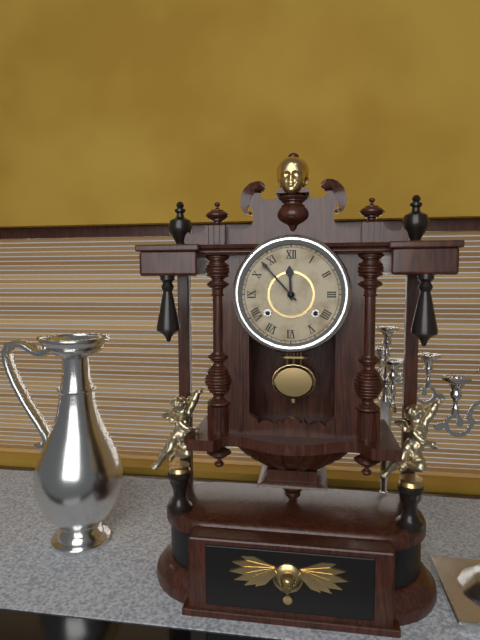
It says h=11 m=53
